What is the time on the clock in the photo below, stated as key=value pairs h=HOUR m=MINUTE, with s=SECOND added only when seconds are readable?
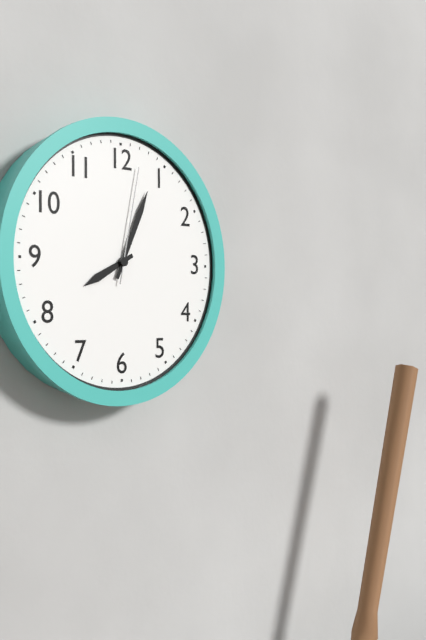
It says h=8 m=4 s=2
